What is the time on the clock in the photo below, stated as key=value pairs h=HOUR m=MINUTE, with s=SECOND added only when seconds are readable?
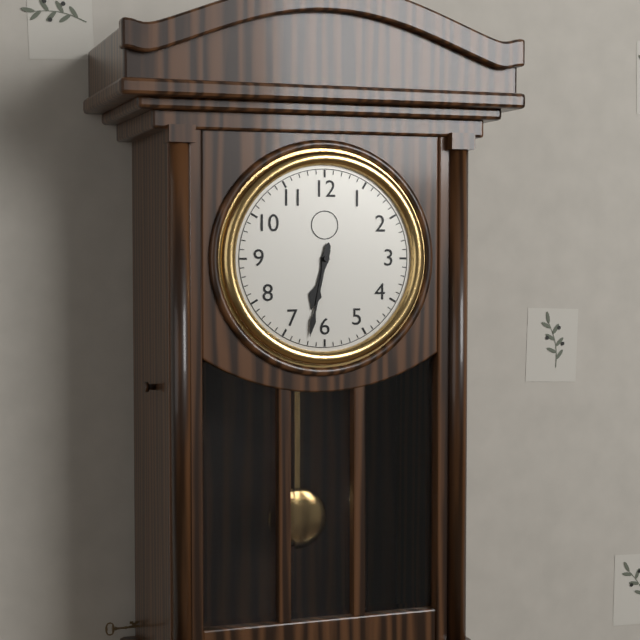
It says h=6 m=32
